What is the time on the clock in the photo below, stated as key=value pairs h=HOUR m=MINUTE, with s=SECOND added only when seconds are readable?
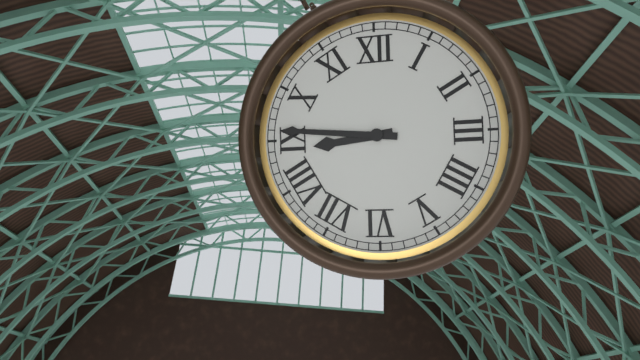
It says h=8 m=46
